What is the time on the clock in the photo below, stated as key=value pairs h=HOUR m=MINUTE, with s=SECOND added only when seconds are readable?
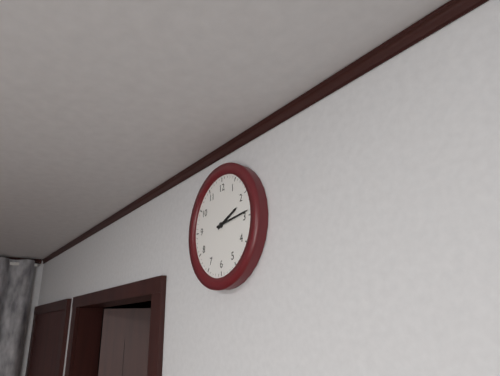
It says h=2 m=14
